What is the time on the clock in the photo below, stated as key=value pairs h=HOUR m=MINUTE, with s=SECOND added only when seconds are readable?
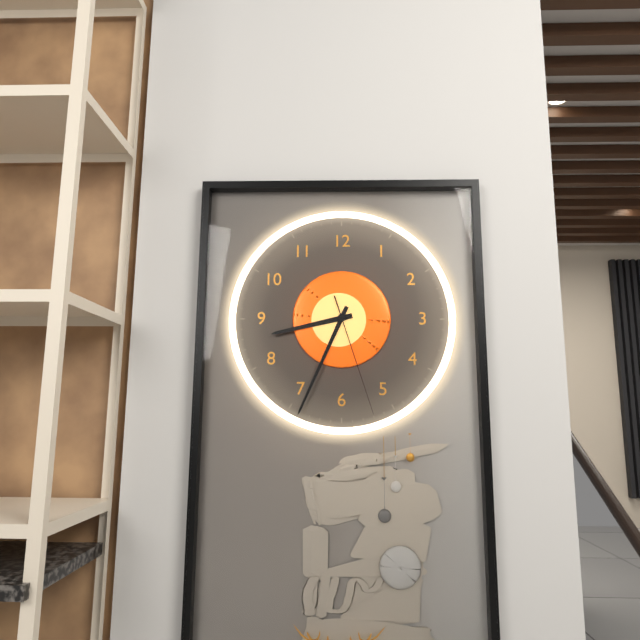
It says h=8 m=34 s=27
